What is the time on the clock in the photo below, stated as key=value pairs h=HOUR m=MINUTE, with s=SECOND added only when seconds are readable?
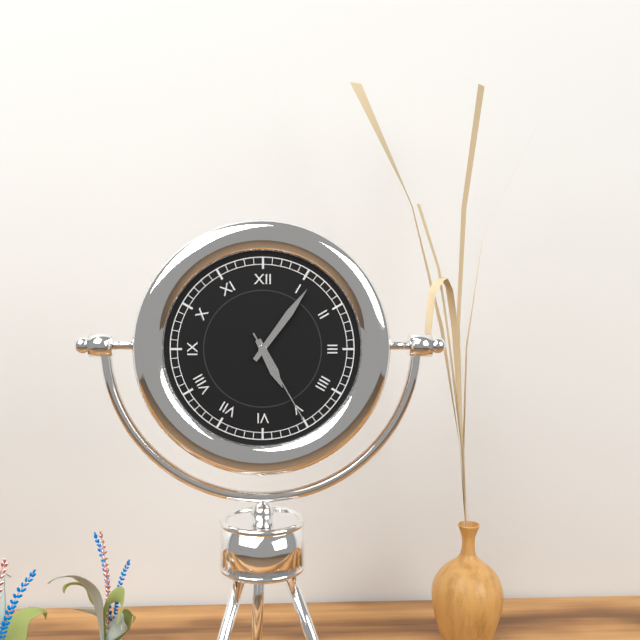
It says h=5 m=6 s=25
